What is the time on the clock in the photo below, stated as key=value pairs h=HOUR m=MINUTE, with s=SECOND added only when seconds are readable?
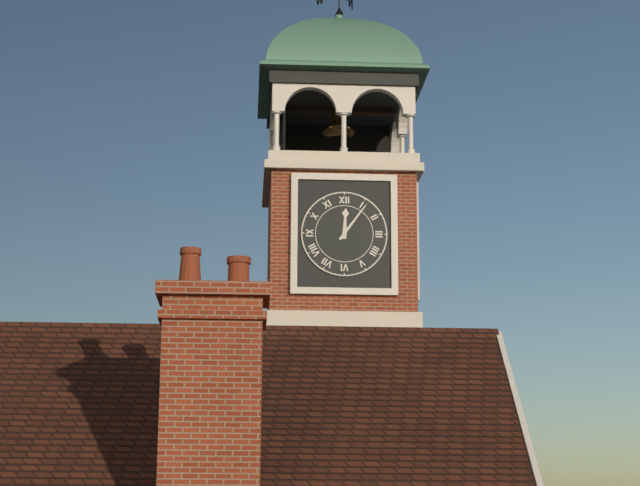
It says h=12 m=6
